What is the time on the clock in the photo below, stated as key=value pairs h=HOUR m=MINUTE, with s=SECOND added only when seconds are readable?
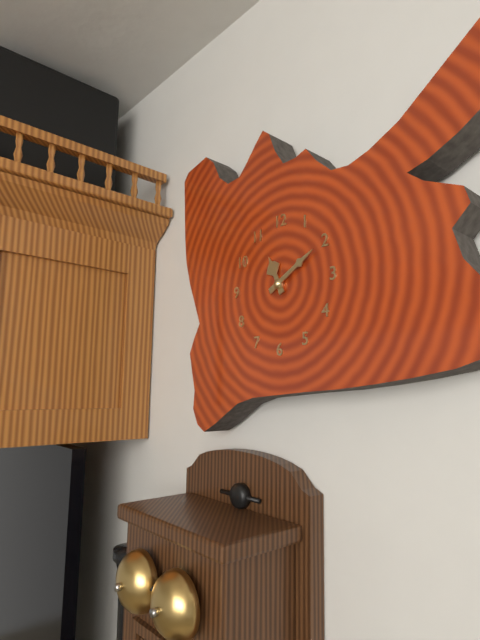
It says h=11 m=10
